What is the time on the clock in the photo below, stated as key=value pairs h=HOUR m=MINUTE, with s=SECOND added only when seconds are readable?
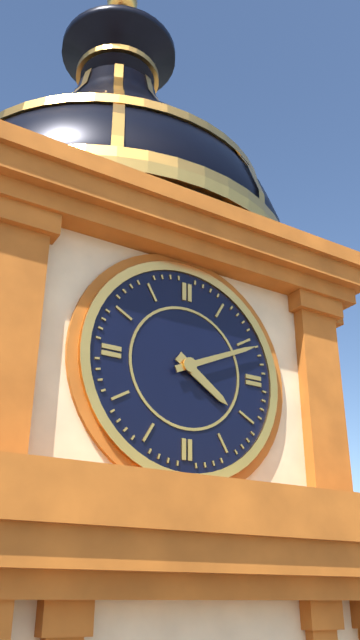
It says h=4 m=11
